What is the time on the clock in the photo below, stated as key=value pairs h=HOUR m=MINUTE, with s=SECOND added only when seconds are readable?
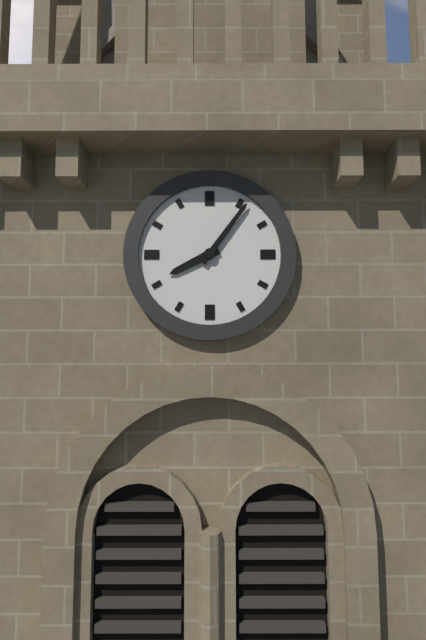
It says h=8 m=6
